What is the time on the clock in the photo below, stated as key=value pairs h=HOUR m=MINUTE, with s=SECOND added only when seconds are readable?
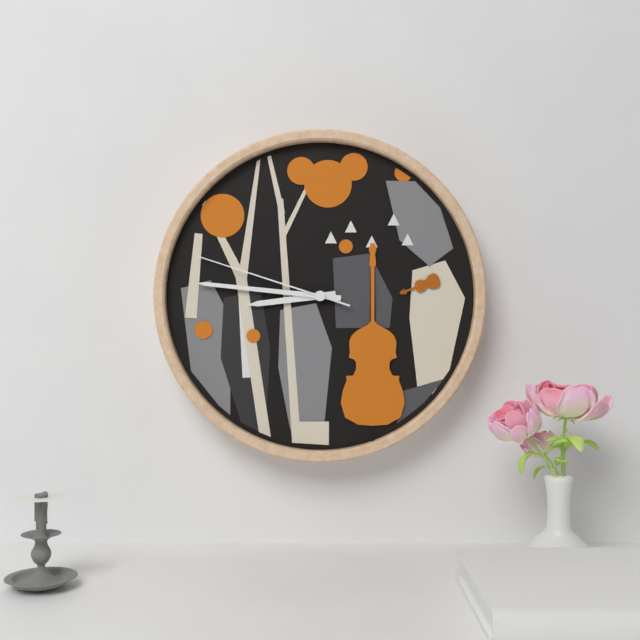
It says h=8 m=46 s=48
